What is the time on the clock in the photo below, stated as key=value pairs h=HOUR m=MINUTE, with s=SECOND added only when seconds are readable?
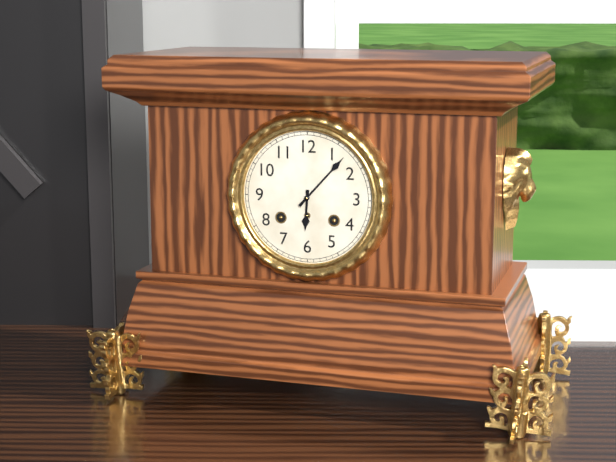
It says h=6 m=7
